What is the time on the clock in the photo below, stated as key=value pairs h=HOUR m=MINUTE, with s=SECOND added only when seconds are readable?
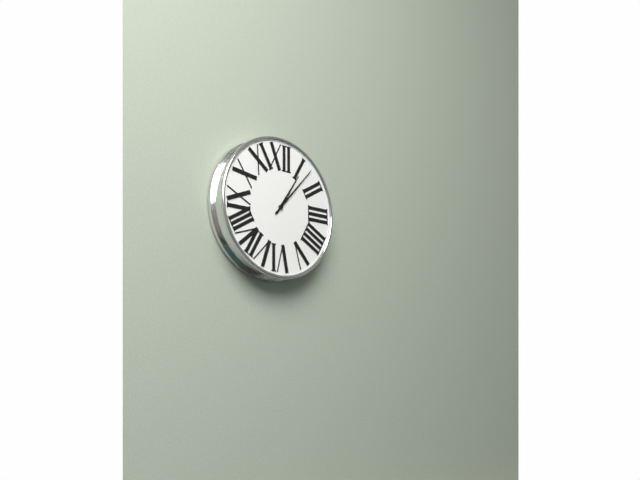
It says h=1 m=7
